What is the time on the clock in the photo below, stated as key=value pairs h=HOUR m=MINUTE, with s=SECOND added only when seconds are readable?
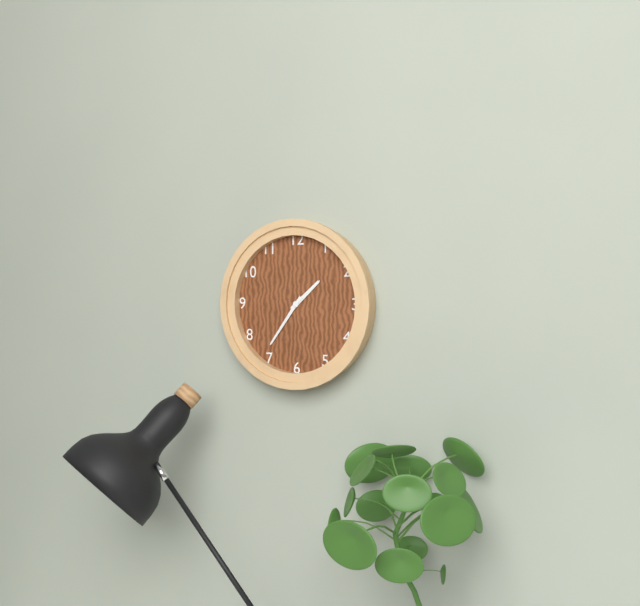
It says h=1 m=36
